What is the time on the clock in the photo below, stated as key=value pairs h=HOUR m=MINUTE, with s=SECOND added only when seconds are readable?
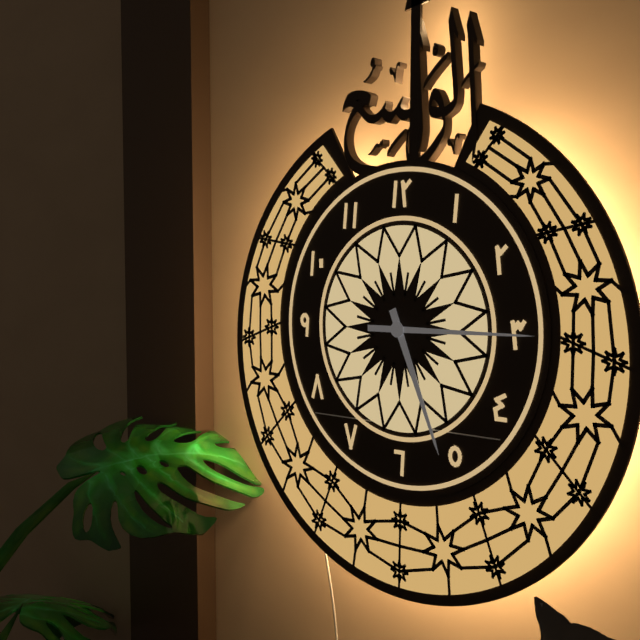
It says h=5 m=15
